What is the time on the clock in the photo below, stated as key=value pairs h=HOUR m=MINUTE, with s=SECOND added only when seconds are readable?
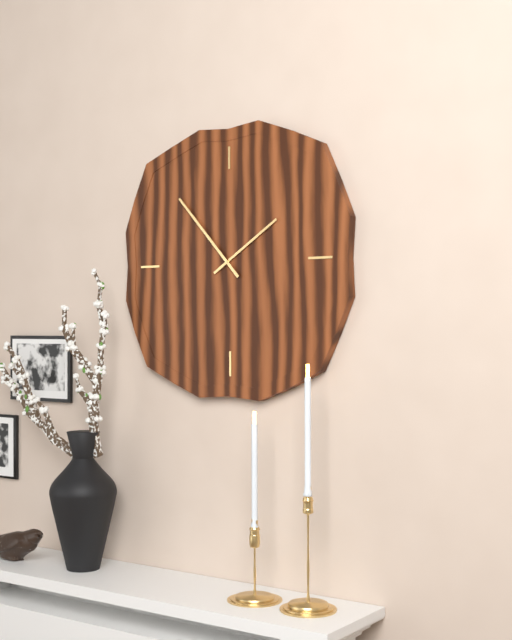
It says h=1 m=53
